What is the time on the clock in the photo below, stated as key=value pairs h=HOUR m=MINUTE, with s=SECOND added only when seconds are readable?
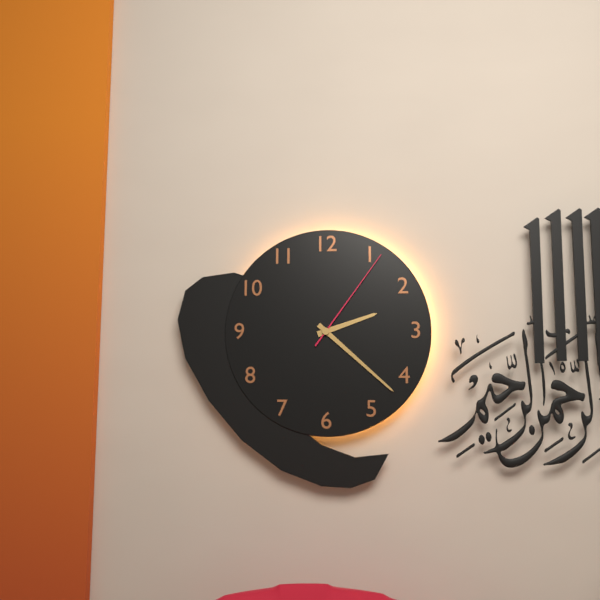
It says h=2 m=22 s=6
